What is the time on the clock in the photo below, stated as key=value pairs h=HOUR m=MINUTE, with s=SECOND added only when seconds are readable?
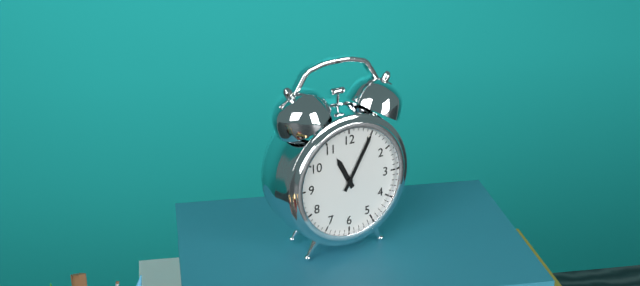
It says h=11 m=5
